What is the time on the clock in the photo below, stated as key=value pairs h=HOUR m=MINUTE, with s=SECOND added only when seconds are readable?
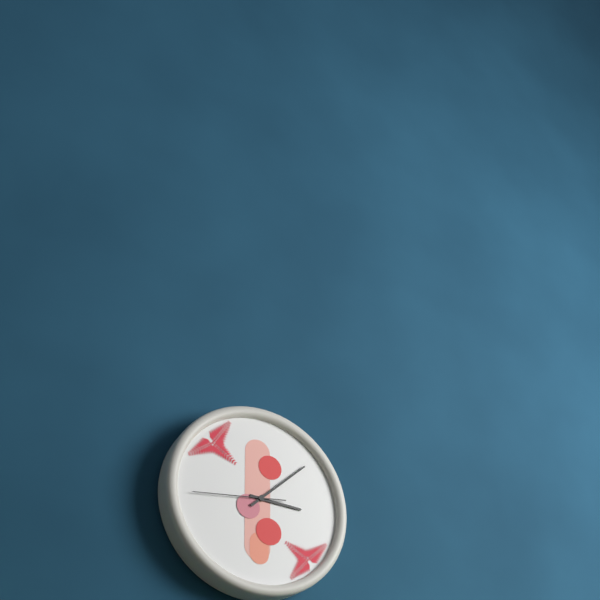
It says h=3 m=8 s=44
